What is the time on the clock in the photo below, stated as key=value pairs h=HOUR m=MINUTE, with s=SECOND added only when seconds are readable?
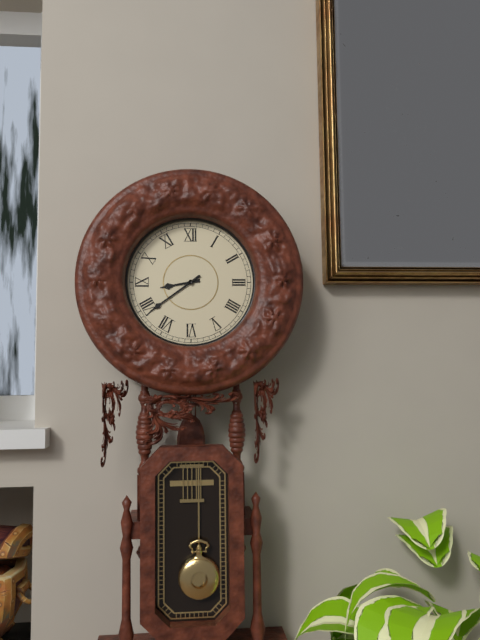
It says h=8 m=39
